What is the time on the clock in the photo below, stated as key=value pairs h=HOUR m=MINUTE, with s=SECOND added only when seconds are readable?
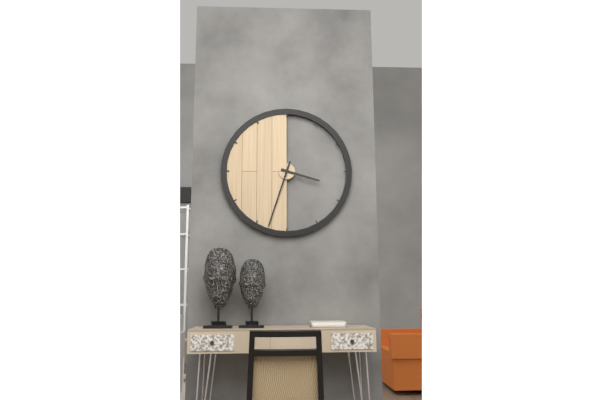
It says h=3 m=33
